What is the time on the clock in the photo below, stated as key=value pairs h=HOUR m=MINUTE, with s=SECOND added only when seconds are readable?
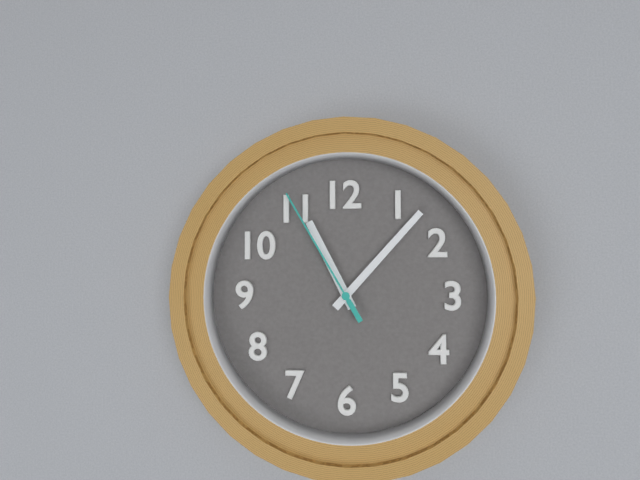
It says h=11 m=7 s=55
